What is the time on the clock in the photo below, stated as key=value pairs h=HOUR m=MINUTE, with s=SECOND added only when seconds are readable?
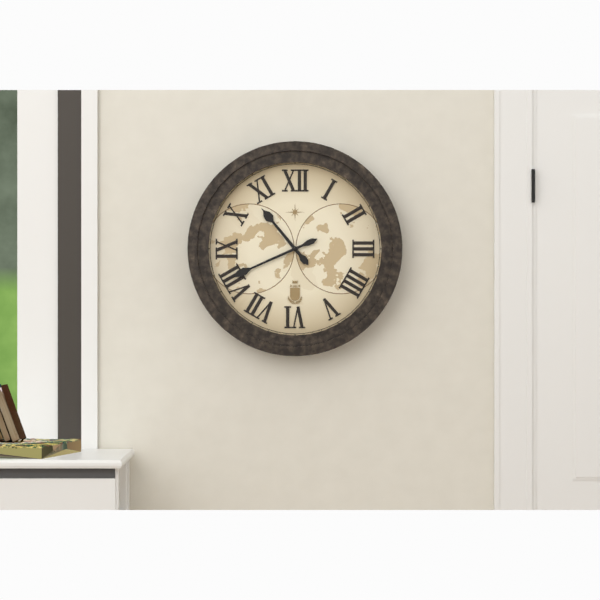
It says h=10 m=41
